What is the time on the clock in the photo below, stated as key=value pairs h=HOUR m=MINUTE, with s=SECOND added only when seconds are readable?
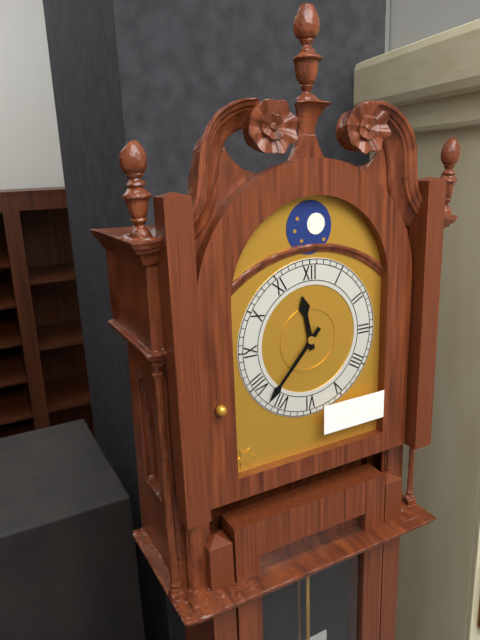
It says h=11 m=37
